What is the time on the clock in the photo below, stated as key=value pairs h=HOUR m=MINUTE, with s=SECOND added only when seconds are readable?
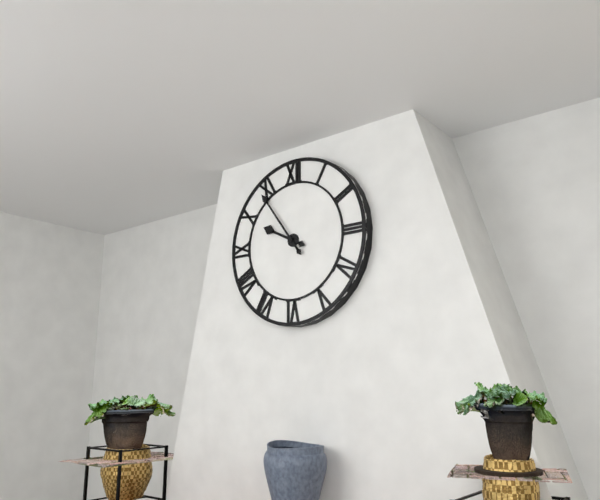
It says h=9 m=54
